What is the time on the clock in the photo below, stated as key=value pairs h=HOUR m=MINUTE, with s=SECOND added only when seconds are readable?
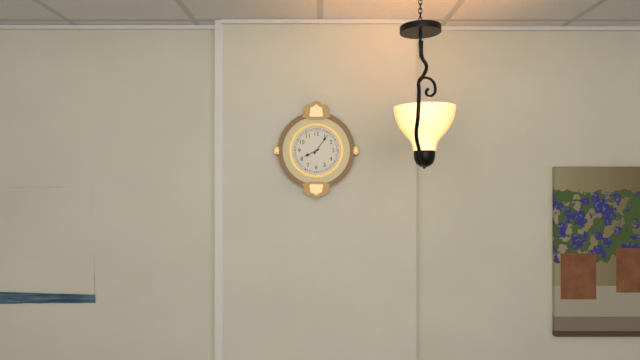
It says h=8 m=6
